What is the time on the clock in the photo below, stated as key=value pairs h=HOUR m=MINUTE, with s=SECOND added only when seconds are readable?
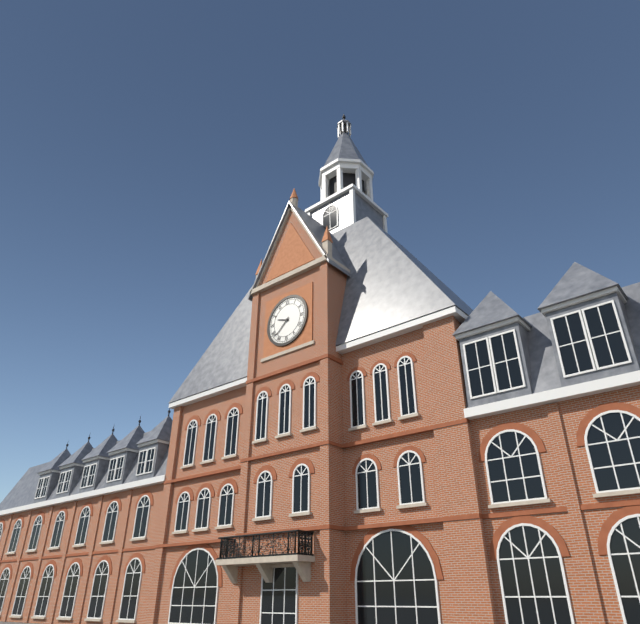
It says h=9 m=38
